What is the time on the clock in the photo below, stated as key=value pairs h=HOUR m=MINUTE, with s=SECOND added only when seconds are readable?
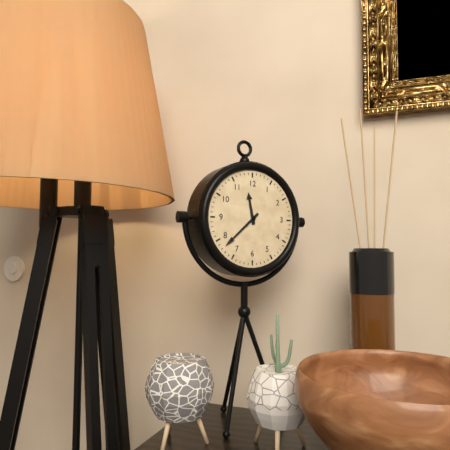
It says h=11 m=38
